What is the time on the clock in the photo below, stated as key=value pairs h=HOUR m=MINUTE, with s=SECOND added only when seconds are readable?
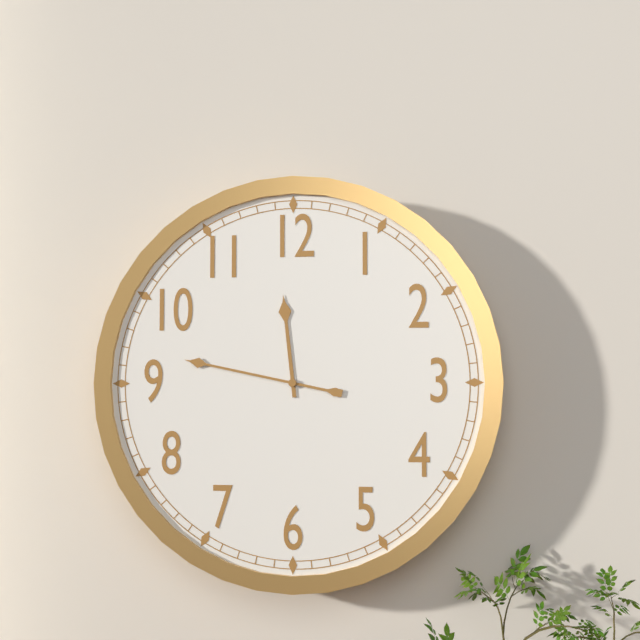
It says h=11 m=47
